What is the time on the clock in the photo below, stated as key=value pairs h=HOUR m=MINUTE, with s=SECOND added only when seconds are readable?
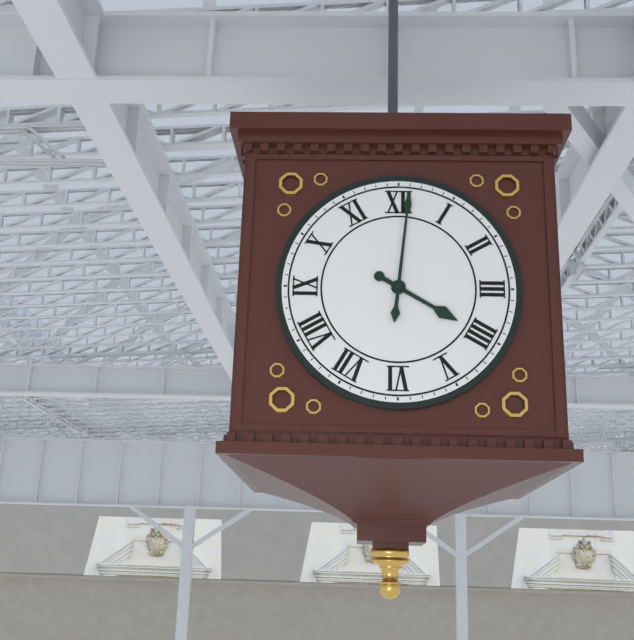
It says h=4 m=1
